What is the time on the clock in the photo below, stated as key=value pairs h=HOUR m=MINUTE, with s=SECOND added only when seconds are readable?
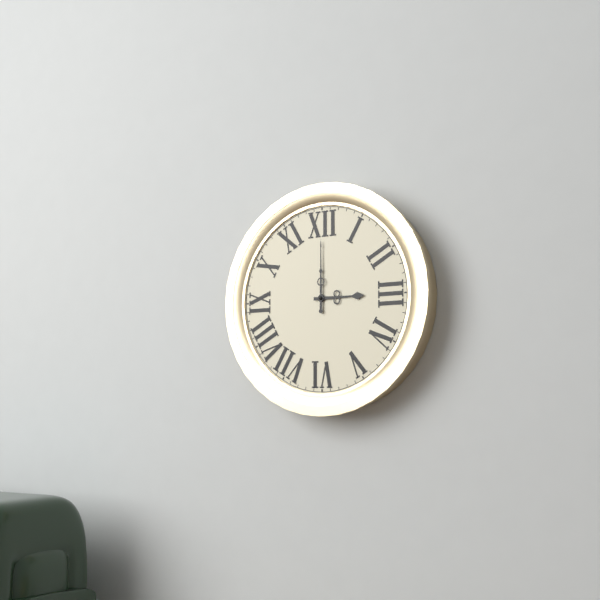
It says h=3 m=0
